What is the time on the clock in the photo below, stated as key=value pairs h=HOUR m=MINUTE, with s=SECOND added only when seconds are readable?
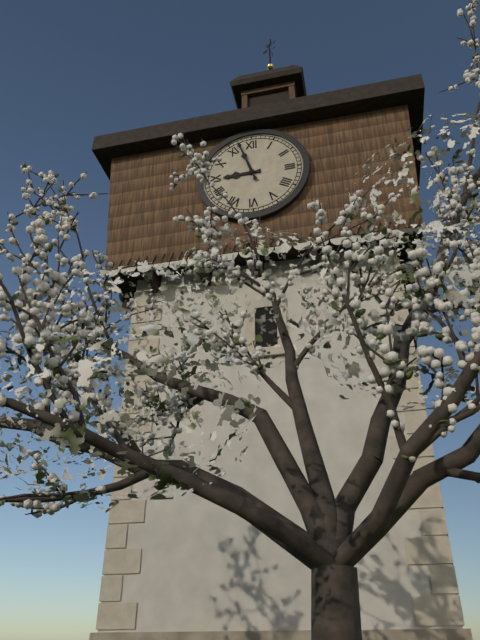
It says h=8 m=57
